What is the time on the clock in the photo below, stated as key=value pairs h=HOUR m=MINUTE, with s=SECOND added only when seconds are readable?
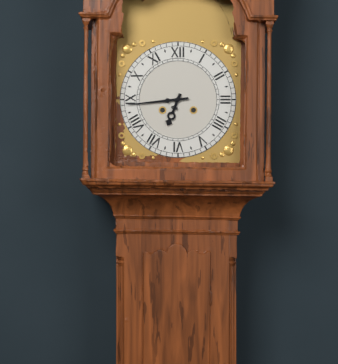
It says h=6 m=44
